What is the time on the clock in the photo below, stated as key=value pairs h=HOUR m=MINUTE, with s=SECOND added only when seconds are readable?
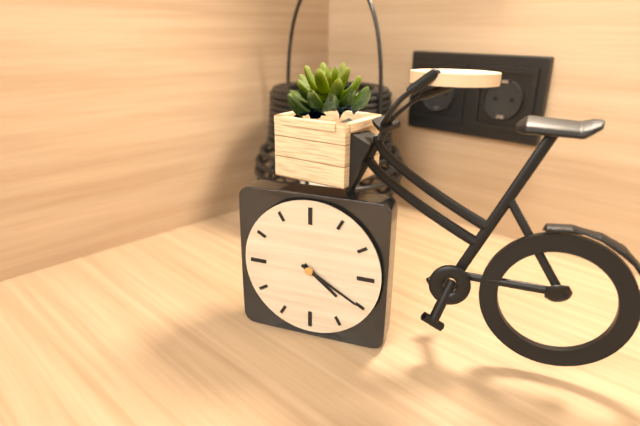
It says h=4 m=20
